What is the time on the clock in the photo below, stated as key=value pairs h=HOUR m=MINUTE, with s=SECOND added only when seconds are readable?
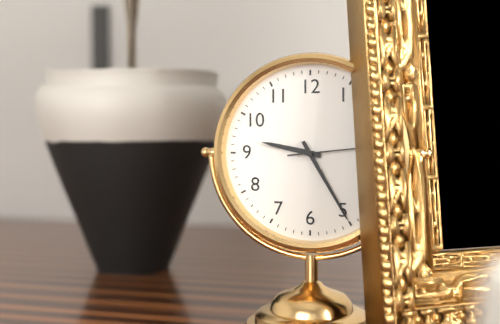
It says h=9 m=25
